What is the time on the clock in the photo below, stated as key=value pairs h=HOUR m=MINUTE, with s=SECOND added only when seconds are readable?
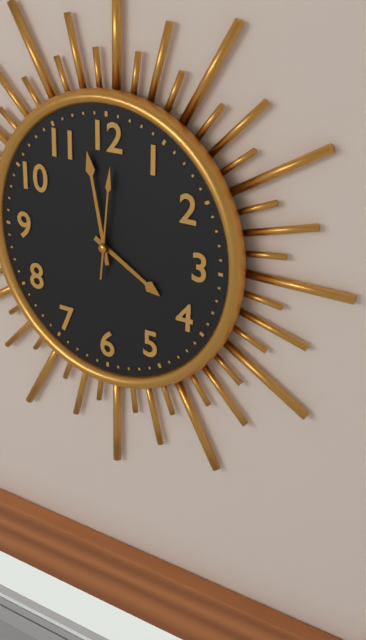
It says h=3 m=58 s=1
